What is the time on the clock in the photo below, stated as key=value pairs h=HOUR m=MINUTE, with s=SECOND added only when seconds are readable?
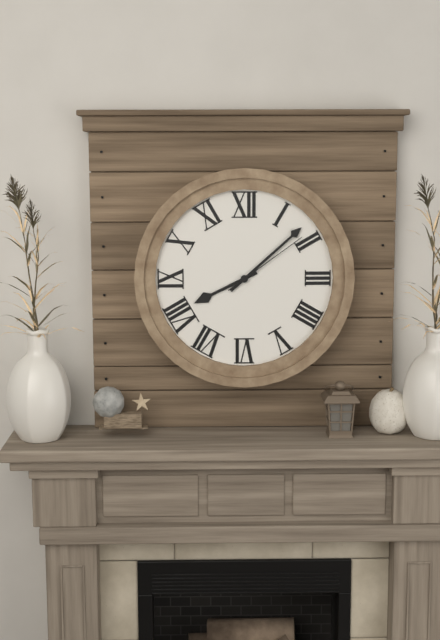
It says h=8 m=8 s=9
